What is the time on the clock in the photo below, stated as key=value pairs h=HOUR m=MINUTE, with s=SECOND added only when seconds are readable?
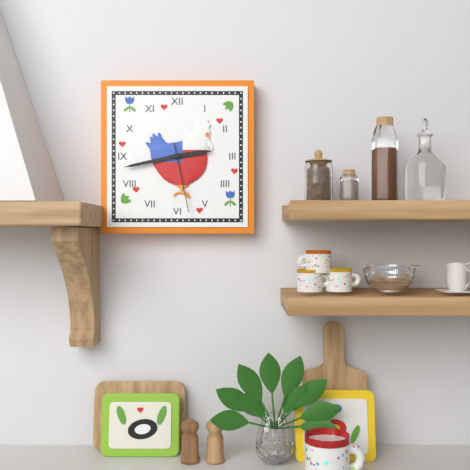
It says h=2 m=43 s=28
